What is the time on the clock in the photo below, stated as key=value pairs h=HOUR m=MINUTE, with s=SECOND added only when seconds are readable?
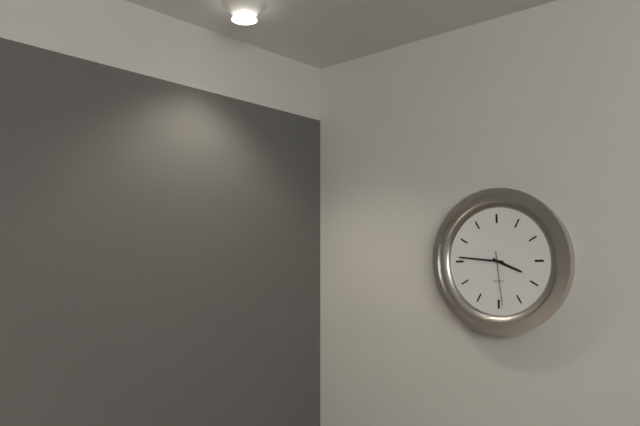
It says h=3 m=46 s=29
